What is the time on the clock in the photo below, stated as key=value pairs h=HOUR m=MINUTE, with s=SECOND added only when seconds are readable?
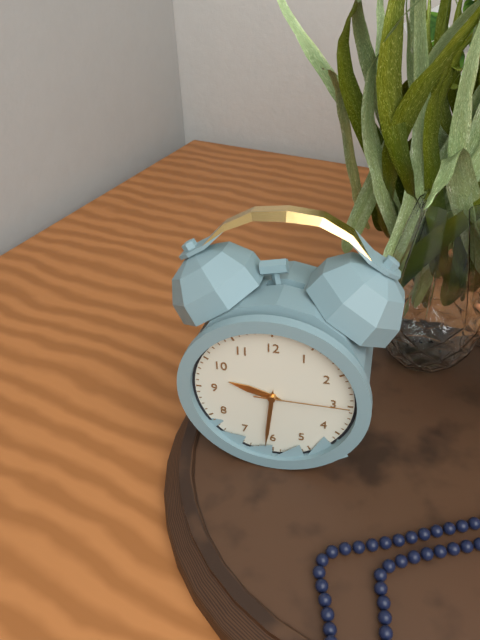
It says h=9 m=31 s=15
